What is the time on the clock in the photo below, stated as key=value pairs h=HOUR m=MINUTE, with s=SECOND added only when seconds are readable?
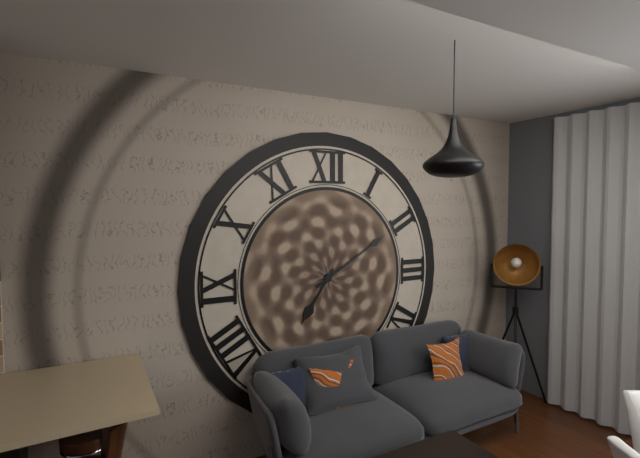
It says h=7 m=10
